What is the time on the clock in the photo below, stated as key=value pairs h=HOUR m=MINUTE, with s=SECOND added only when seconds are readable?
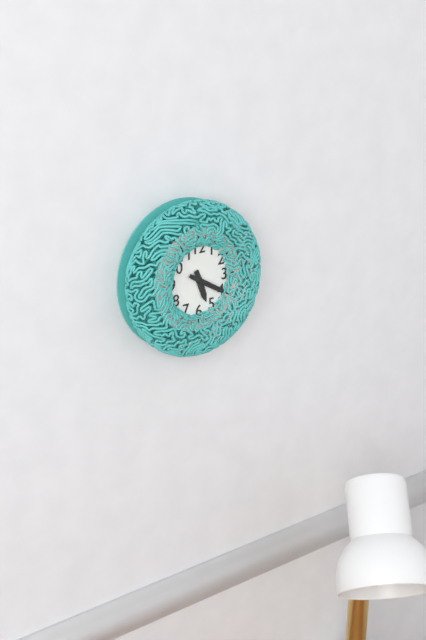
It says h=5 m=20
